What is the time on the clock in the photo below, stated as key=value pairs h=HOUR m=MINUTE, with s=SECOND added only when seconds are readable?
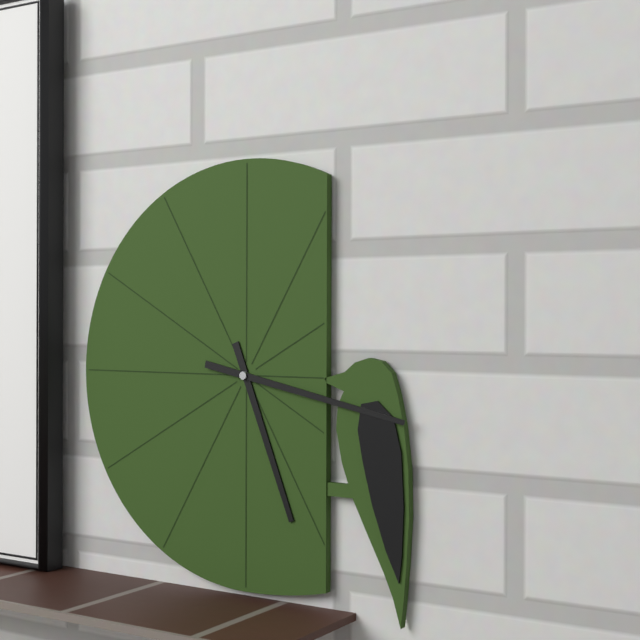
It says h=5 m=17
